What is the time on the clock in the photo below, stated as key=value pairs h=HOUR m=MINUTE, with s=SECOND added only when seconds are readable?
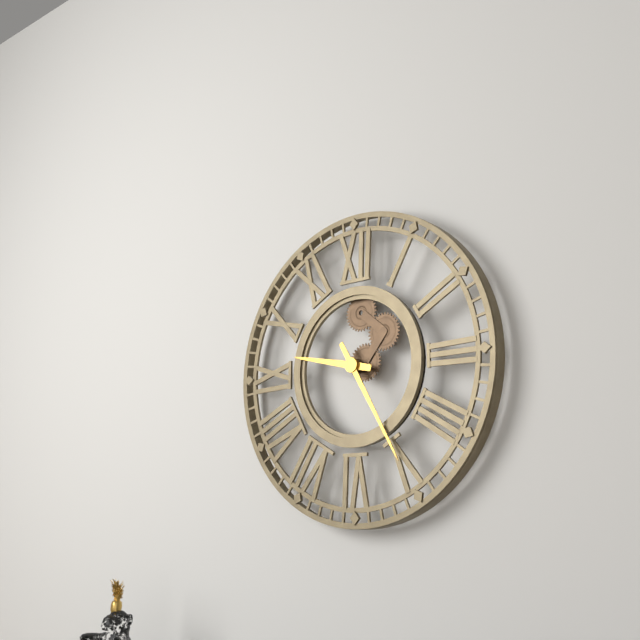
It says h=9 m=25
